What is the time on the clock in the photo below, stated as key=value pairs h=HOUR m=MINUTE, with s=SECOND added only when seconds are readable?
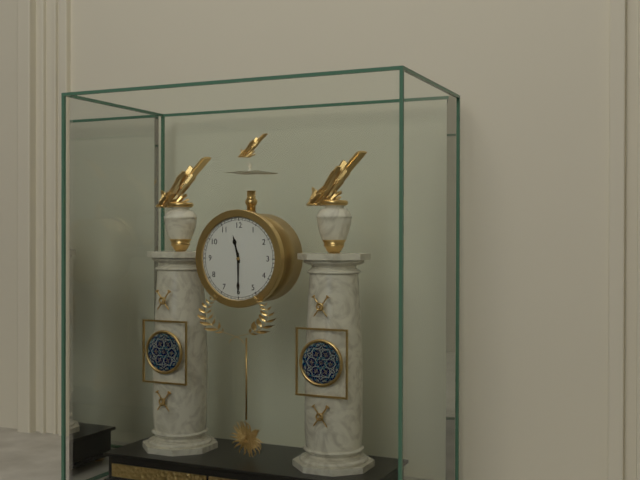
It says h=11 m=30
